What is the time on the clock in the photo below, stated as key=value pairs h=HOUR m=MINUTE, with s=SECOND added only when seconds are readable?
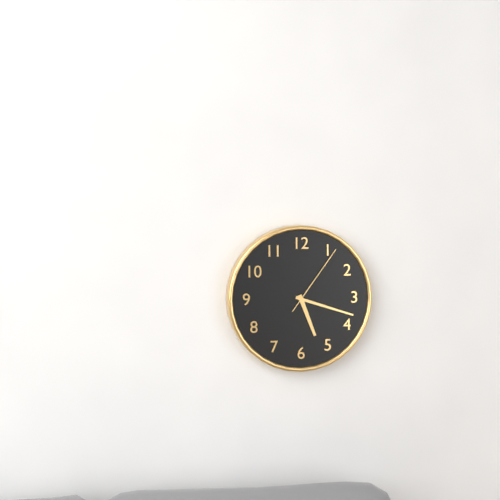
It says h=5 m=18 s=6
